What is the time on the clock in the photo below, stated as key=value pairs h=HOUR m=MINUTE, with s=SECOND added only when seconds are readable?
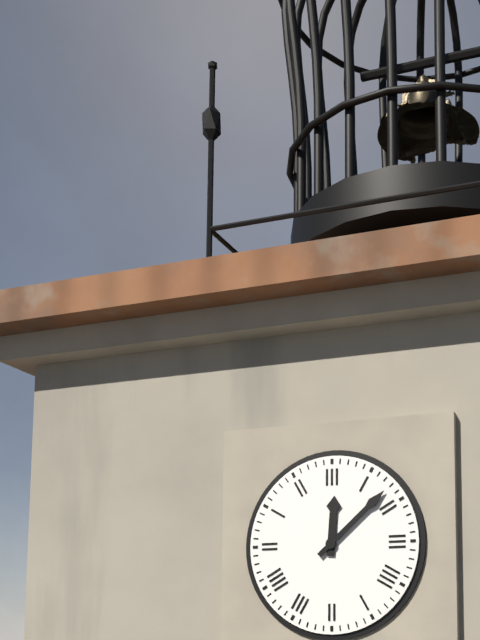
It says h=12 m=8
